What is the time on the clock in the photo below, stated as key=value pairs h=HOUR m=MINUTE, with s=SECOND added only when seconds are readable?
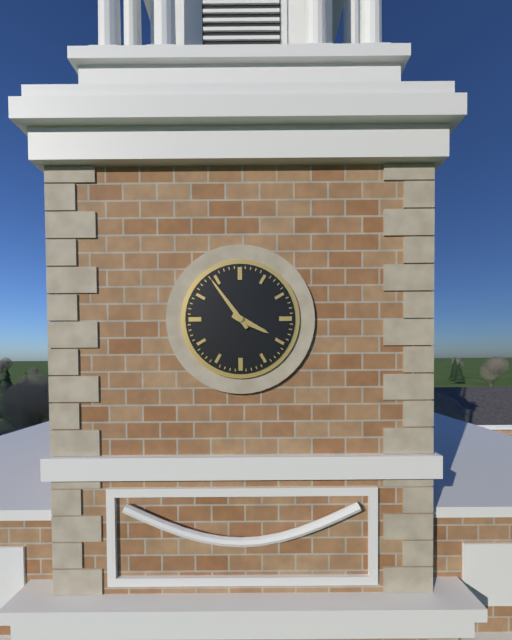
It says h=3 m=54
